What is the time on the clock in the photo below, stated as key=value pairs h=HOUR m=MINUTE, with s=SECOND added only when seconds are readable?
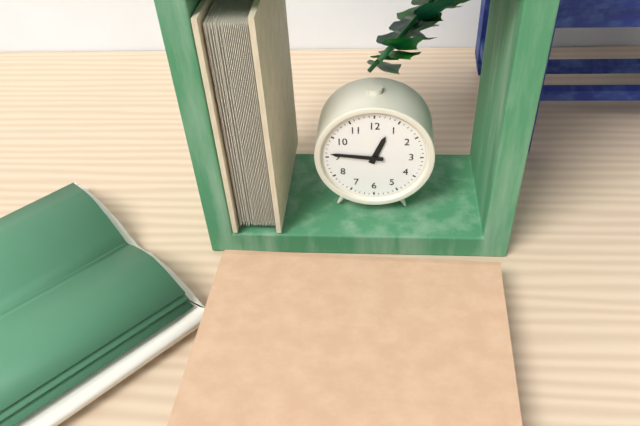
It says h=12 m=46
